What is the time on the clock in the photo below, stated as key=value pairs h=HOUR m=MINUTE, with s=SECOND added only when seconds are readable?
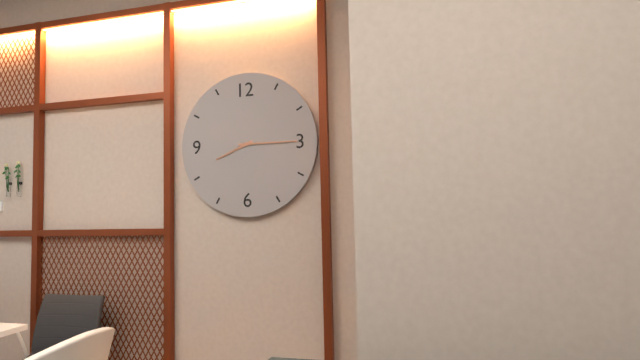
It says h=8 m=15
